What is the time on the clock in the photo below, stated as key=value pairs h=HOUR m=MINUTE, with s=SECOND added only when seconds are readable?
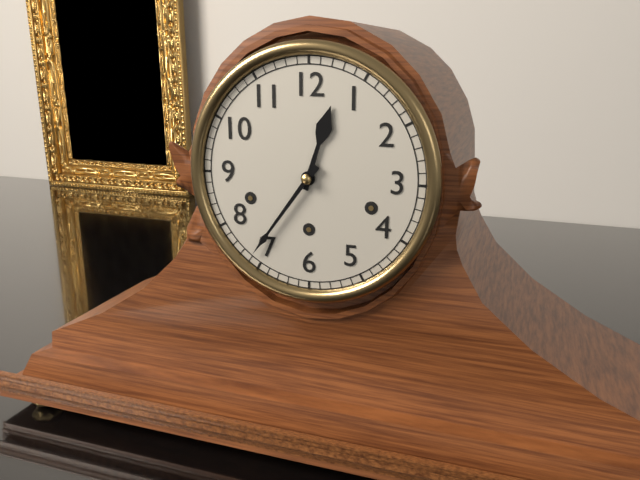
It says h=12 m=36
